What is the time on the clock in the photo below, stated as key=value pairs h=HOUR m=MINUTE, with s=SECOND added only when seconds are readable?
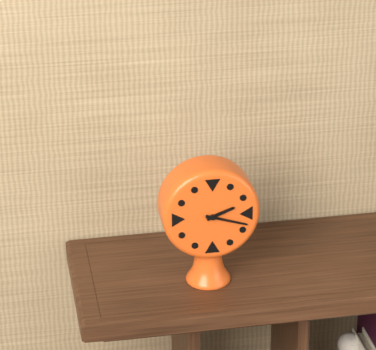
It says h=2 m=18
